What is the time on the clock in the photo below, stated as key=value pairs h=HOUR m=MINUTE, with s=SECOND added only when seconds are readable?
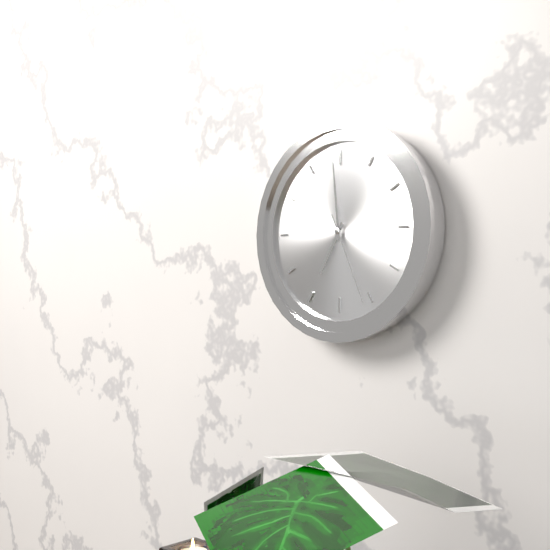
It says h=6 m=59 s=26
